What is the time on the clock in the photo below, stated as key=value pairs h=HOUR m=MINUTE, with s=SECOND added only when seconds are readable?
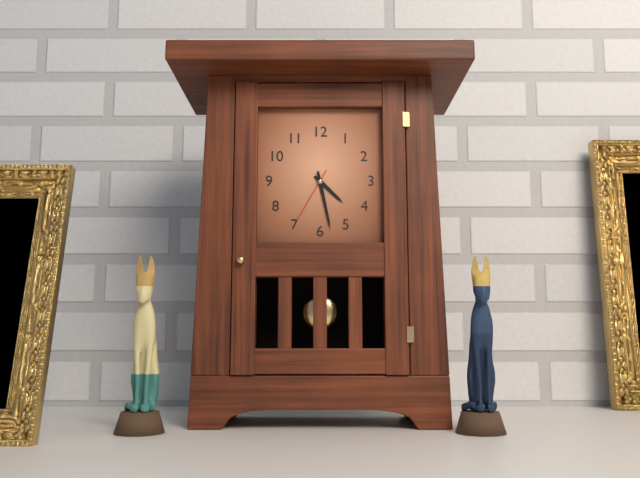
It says h=4 m=28 s=35
